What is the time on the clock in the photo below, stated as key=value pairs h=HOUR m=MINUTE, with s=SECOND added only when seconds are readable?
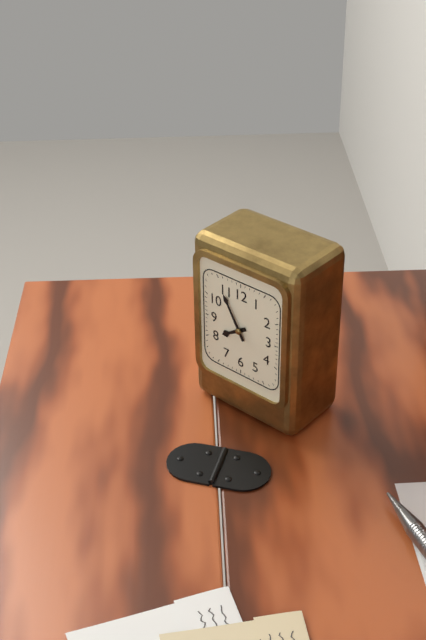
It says h=7 m=55
